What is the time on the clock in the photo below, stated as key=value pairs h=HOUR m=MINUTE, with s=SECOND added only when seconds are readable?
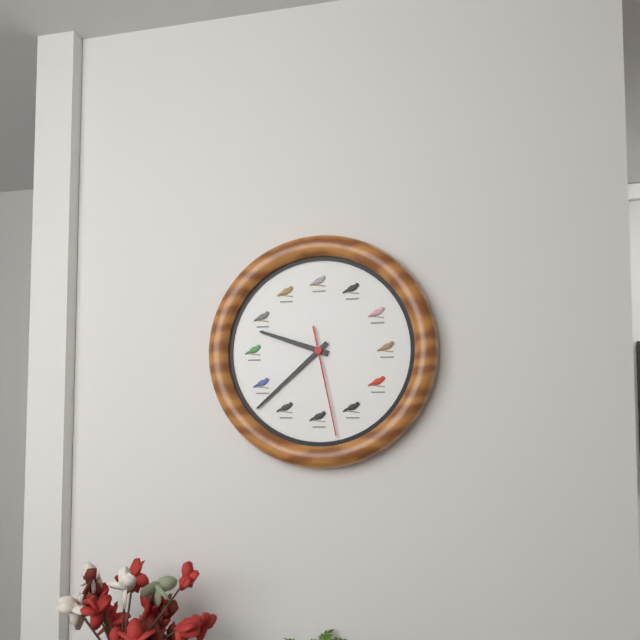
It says h=9 m=38 s=28
